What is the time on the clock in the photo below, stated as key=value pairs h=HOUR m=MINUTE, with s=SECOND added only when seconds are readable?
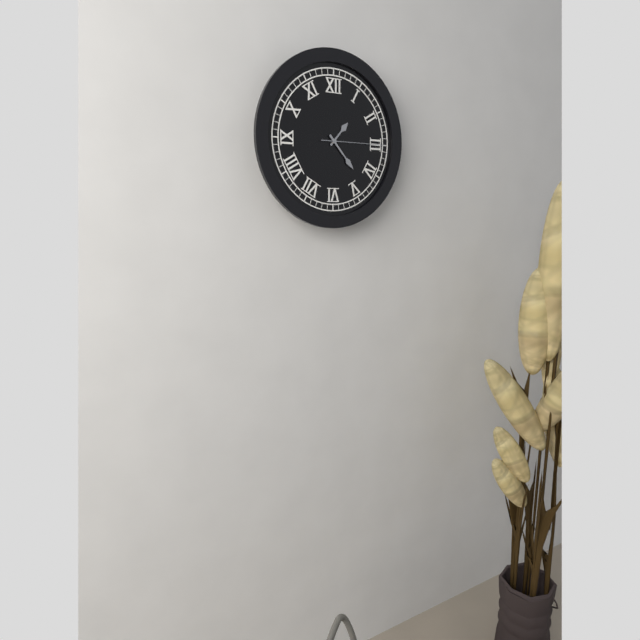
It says h=1 m=23 s=15
